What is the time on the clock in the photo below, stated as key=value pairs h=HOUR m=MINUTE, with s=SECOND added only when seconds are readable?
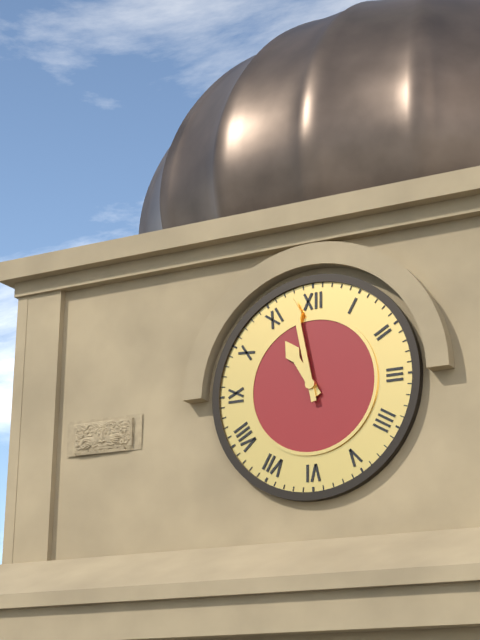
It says h=10 m=58
